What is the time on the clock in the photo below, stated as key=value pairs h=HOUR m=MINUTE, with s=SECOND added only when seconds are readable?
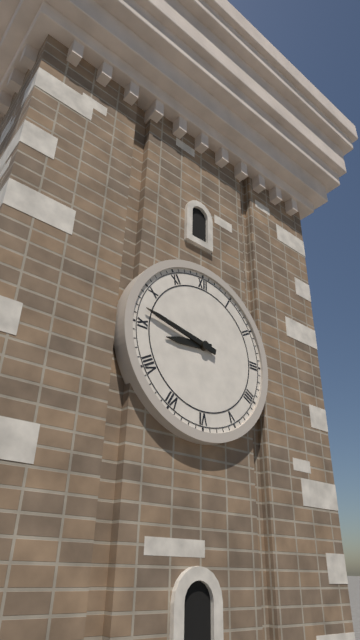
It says h=8 m=47
